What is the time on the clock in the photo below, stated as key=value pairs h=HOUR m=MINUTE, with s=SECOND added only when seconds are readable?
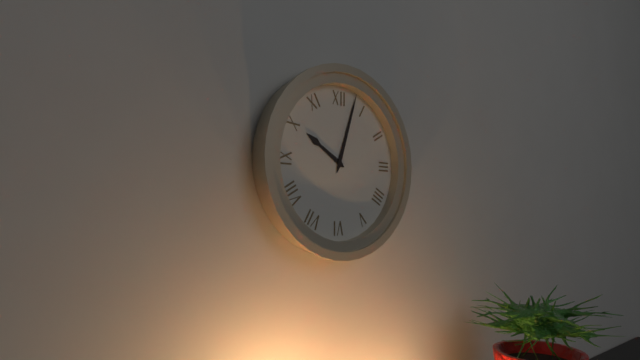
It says h=10 m=3
